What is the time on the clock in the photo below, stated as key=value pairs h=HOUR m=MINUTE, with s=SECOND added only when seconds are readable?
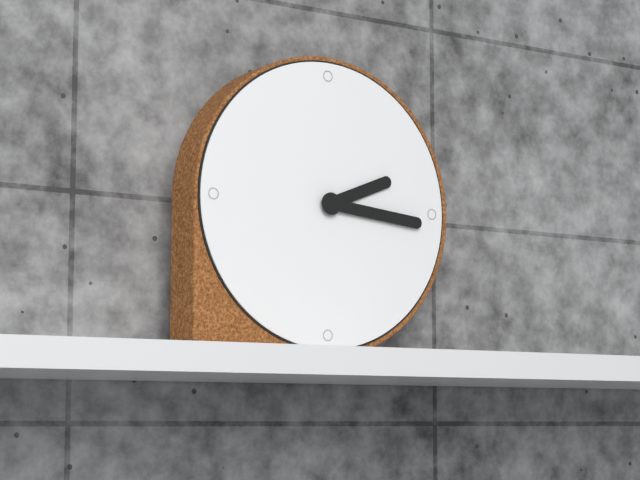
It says h=2 m=16
